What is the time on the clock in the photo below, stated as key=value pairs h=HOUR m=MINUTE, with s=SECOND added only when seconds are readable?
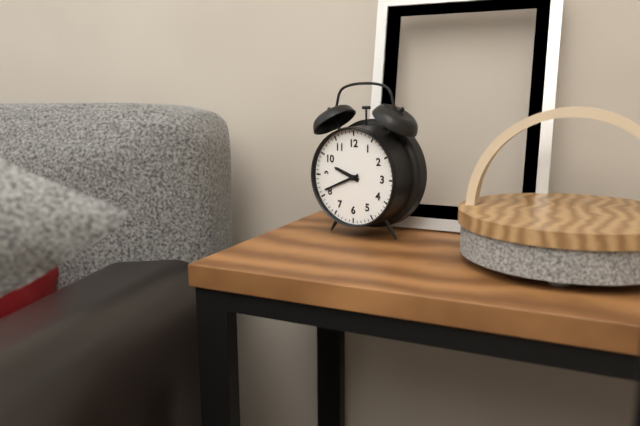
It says h=9 m=41
